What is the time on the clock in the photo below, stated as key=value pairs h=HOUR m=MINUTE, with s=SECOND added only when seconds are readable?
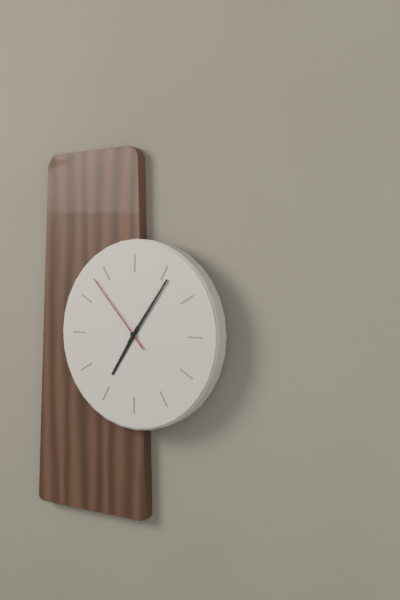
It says h=7 m=6 s=53
